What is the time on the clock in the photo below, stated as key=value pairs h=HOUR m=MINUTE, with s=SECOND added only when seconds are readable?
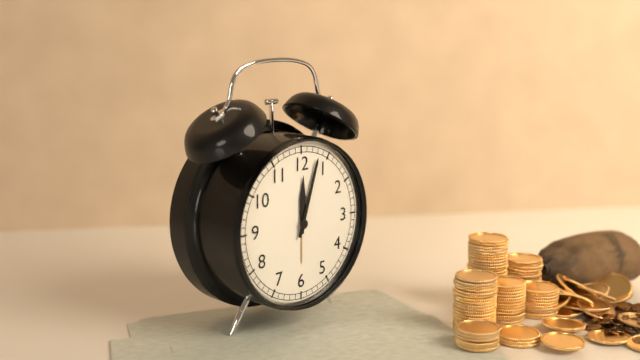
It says h=12 m=3
